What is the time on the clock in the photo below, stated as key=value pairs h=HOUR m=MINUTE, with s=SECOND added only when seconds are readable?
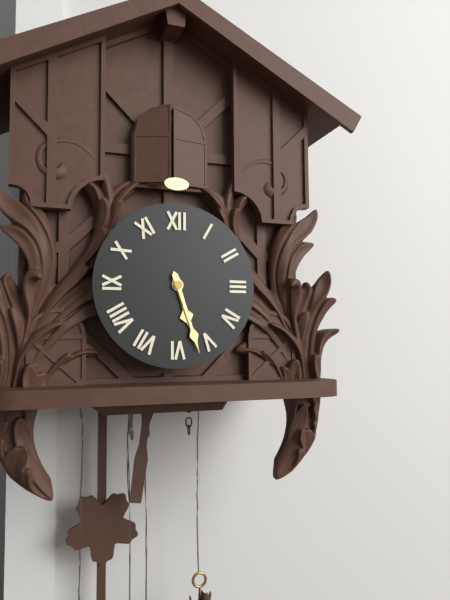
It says h=5 m=27
